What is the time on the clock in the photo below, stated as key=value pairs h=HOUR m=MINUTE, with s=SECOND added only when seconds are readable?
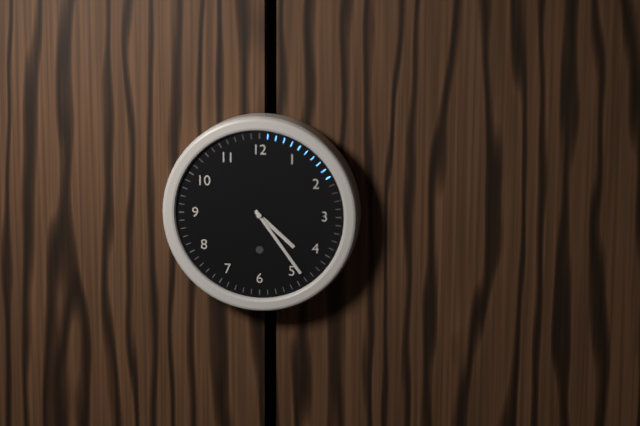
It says h=4 m=24
